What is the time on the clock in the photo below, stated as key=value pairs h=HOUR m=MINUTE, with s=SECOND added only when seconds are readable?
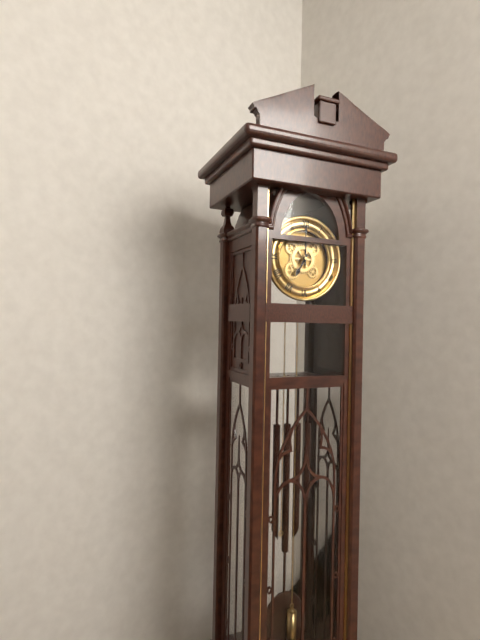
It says h=7 m=0
